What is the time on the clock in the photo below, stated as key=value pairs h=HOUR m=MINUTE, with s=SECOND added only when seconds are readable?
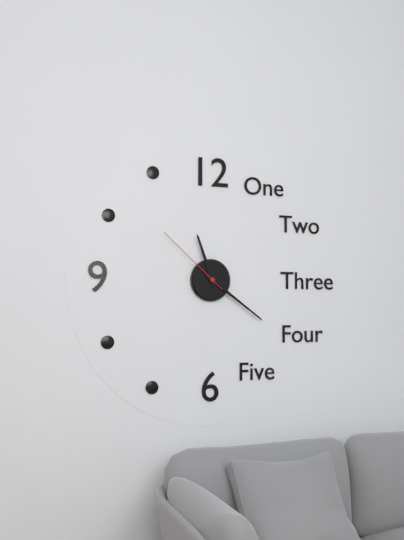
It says h=11 m=21 s=52
